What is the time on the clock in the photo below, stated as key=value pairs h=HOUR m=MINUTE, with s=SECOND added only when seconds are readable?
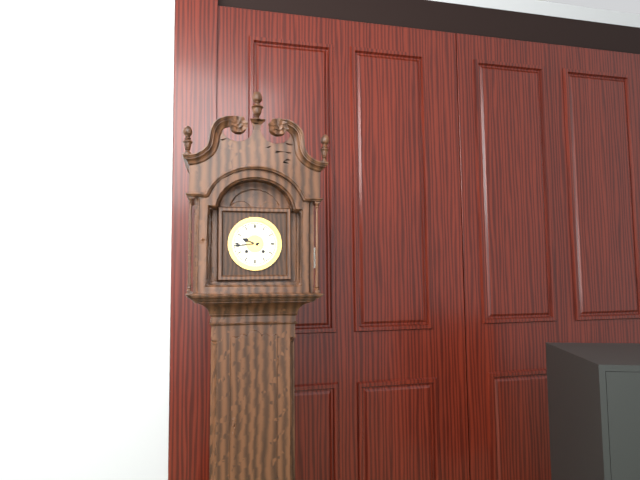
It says h=9 m=44
